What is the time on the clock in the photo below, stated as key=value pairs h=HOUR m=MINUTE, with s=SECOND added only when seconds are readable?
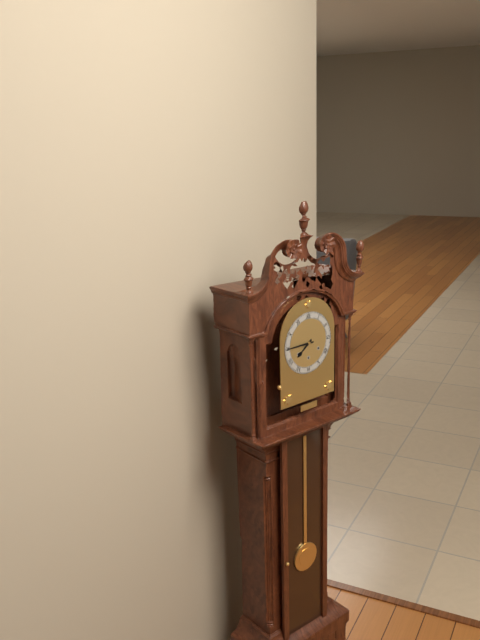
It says h=7 m=45
